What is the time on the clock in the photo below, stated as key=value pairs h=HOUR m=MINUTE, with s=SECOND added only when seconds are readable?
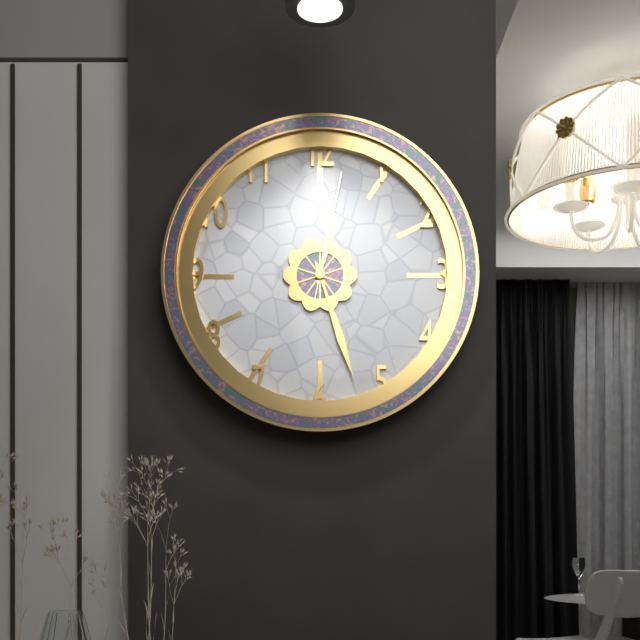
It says h=12 m=27 s=2
